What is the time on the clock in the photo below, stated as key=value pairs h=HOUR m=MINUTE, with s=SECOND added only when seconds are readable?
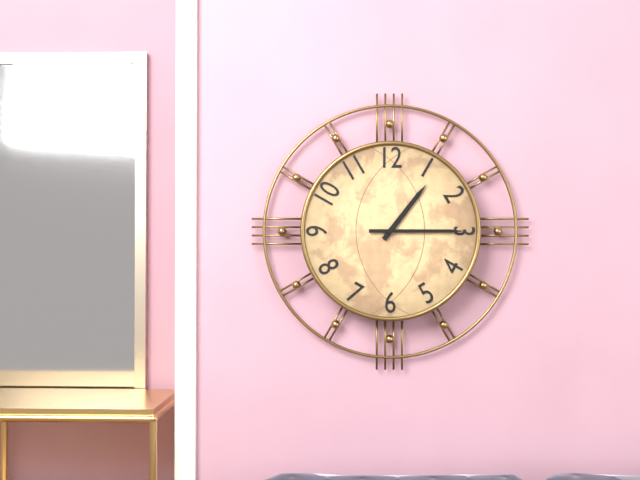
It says h=1 m=15
